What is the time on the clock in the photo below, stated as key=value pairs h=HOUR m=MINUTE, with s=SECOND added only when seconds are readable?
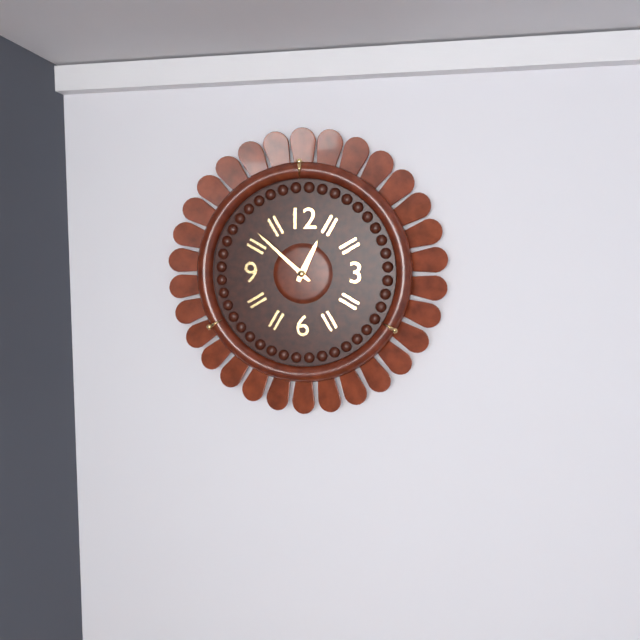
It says h=12 m=52
